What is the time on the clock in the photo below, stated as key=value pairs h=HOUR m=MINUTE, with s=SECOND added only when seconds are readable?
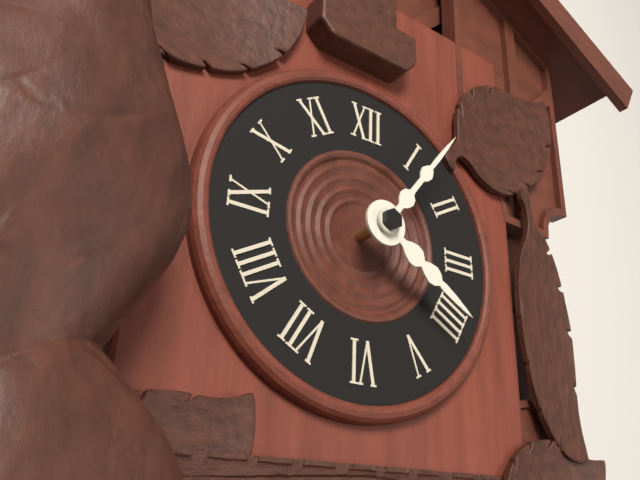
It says h=4 m=6
